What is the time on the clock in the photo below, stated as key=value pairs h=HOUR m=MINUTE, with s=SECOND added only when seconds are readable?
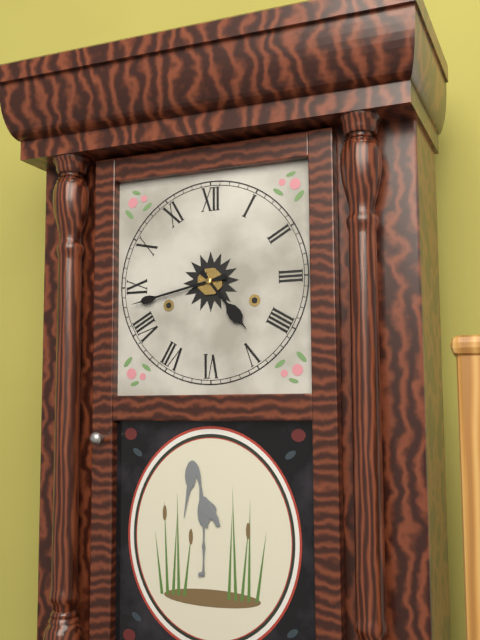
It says h=4 m=43
